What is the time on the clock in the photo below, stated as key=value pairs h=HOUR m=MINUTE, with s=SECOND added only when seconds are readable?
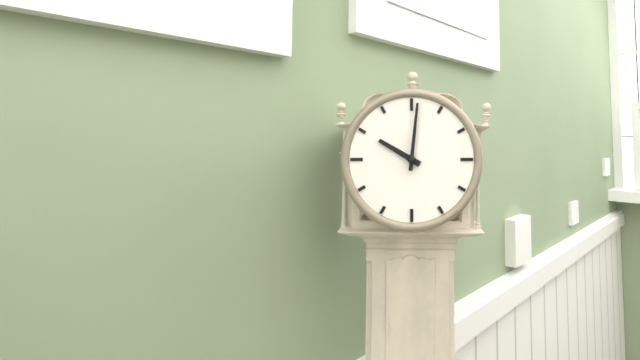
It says h=10 m=1
